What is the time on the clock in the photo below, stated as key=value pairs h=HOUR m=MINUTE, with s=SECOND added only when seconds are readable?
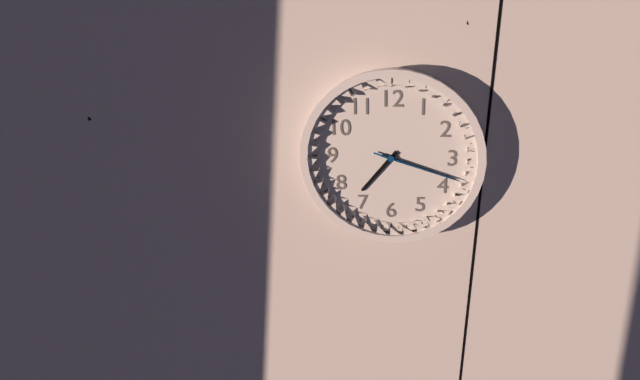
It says h=7 m=18 s=18
